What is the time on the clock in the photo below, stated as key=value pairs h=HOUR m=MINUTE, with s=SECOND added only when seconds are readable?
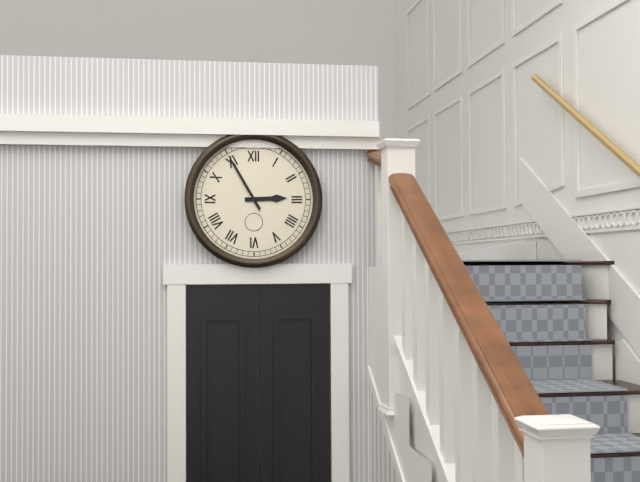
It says h=2 m=55
